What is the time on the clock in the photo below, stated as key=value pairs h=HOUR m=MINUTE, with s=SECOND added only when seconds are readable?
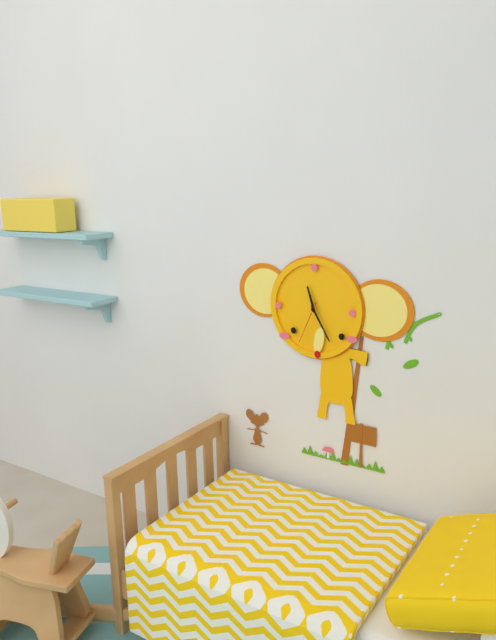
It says h=11 m=25
